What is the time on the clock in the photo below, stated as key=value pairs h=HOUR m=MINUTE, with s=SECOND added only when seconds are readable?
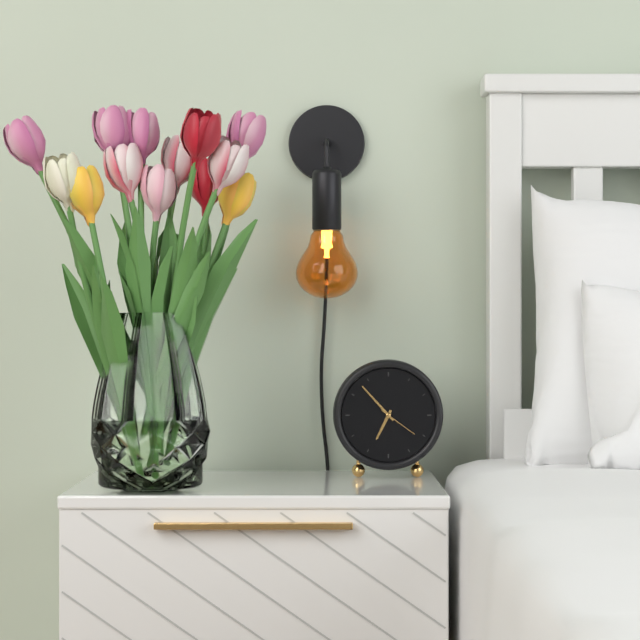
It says h=6 m=53
